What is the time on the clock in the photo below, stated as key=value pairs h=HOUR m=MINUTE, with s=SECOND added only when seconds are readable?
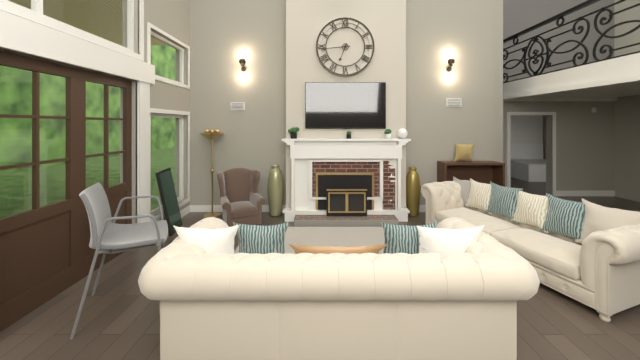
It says h=6 m=44
